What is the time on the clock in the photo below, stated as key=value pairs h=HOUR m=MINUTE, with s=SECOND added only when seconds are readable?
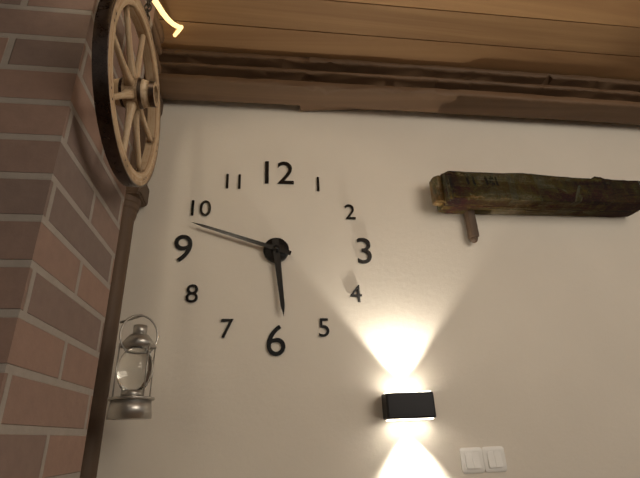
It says h=5 m=48
